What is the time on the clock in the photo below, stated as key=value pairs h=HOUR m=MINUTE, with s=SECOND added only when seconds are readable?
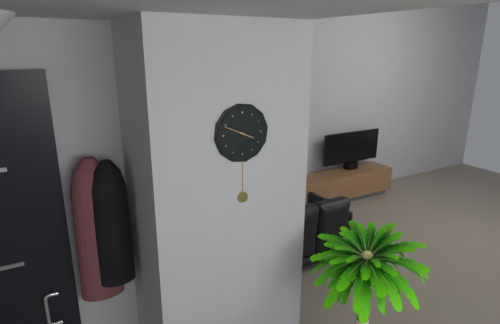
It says h=3 m=49
